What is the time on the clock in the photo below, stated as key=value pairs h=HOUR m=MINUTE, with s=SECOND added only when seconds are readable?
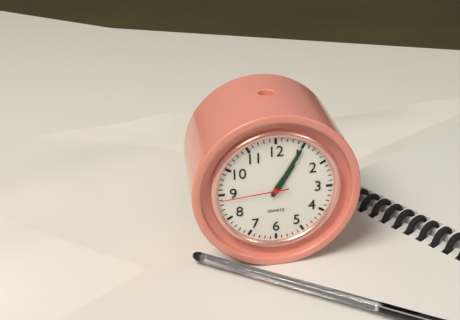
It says h=1 m=5 s=44
